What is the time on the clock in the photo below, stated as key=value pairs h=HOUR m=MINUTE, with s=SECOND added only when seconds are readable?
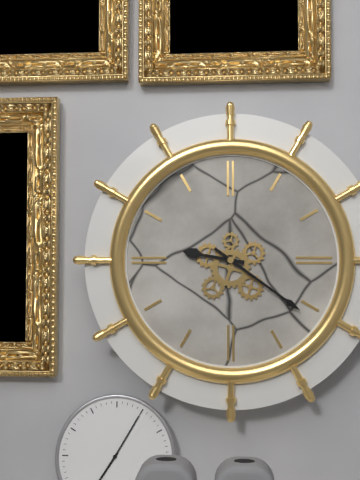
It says h=9 m=21
